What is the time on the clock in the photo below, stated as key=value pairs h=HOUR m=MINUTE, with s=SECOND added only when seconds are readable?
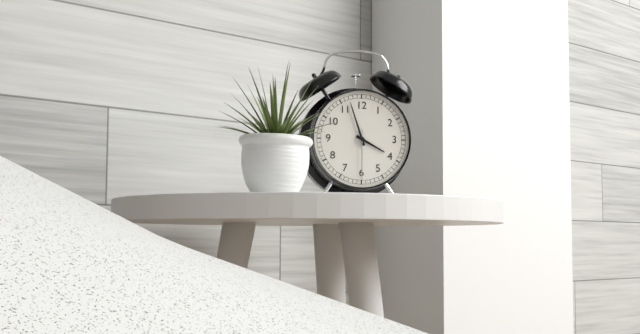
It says h=3 m=57 s=30
